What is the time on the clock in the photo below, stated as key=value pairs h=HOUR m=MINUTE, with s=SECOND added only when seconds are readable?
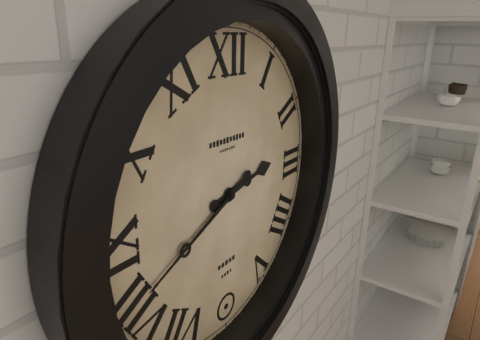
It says h=2 m=41
